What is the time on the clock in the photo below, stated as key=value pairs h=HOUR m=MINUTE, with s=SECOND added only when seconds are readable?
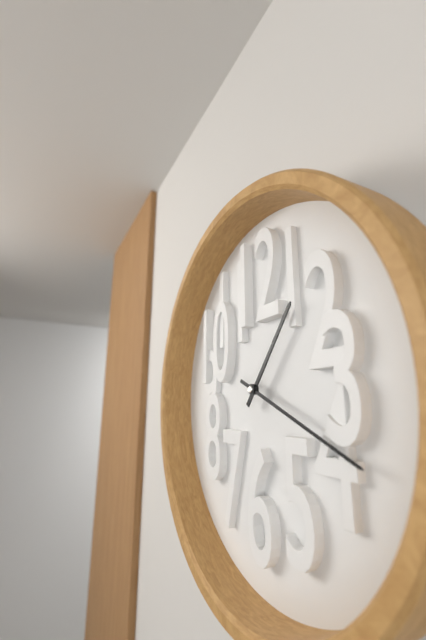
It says h=1 m=19
